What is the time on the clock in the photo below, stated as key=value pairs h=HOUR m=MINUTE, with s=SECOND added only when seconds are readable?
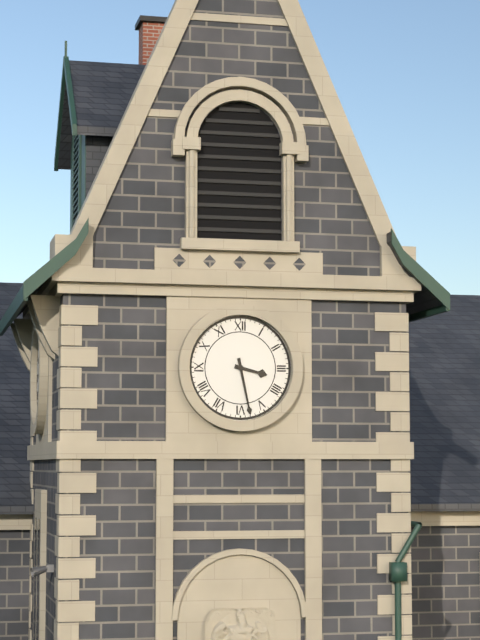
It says h=3 m=28
